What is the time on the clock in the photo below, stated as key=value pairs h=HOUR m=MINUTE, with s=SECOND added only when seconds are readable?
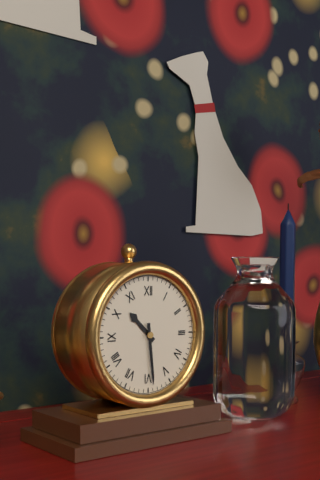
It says h=10 m=29
